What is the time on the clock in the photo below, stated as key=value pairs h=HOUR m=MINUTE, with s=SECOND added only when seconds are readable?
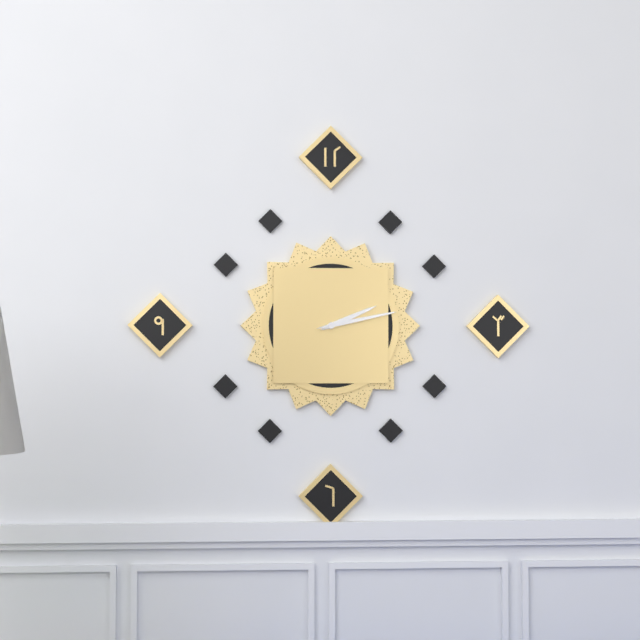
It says h=2 m=13
